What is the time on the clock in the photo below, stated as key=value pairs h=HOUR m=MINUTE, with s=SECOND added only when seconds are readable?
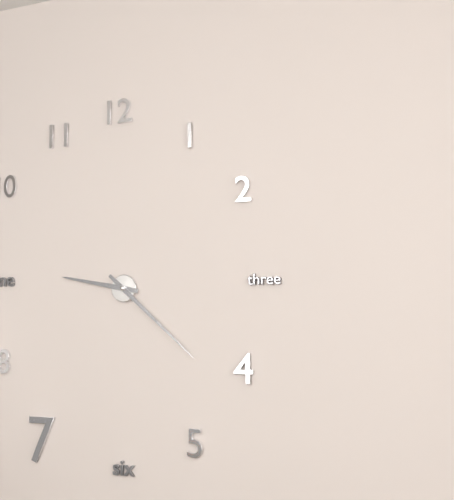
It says h=9 m=22
